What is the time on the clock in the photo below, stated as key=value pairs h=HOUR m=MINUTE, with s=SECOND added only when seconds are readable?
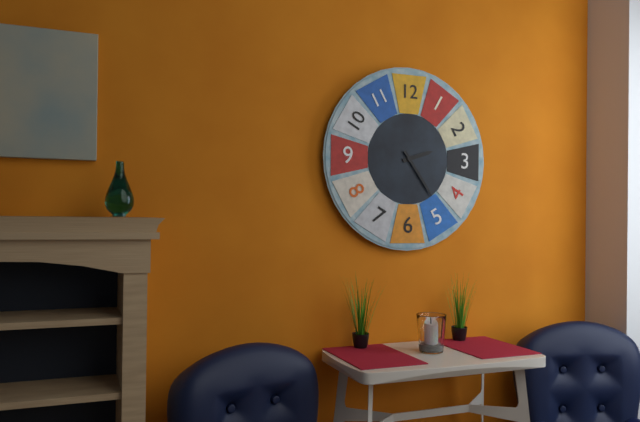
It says h=2 m=24
